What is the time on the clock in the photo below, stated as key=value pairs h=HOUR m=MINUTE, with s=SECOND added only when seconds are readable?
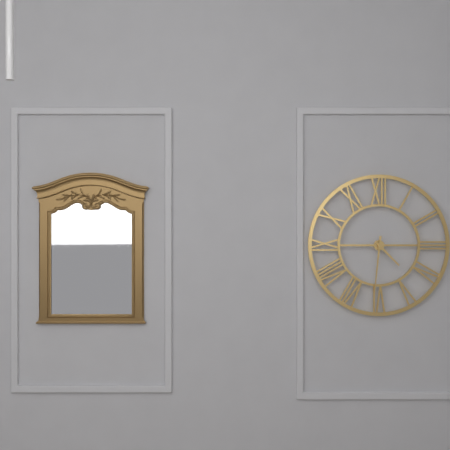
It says h=4 m=31
